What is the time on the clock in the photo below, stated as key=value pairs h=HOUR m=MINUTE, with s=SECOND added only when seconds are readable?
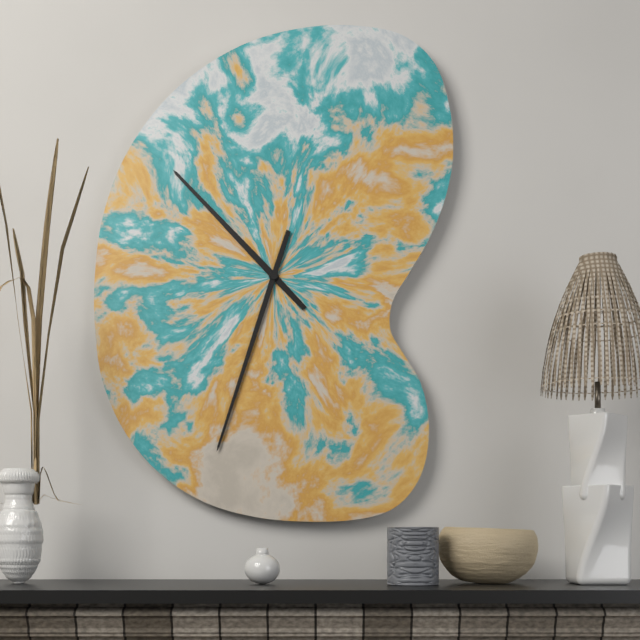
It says h=10 m=33
